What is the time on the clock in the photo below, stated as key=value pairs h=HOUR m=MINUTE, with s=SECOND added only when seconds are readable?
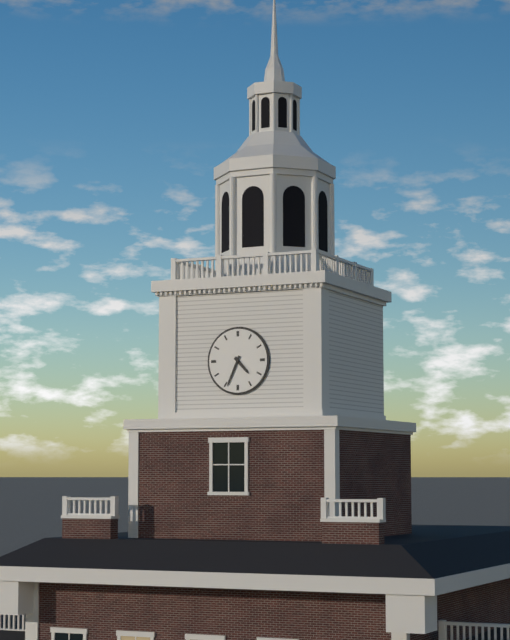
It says h=4 m=34
